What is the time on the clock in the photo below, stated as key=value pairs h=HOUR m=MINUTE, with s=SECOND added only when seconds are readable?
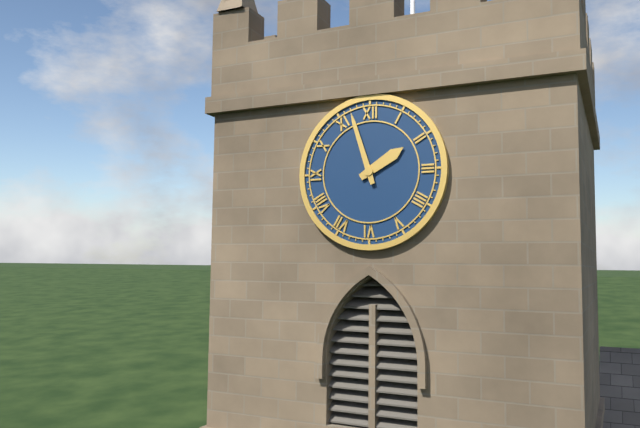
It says h=1 m=57
